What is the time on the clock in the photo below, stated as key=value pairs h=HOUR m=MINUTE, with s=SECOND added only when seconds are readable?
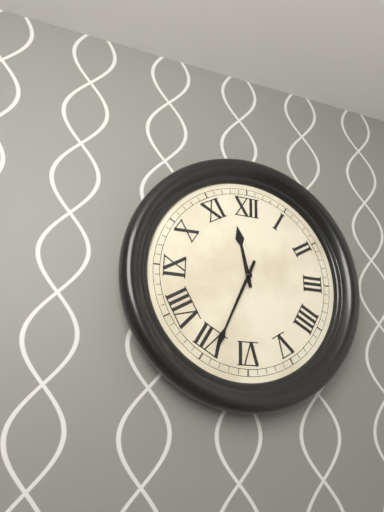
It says h=11 m=34
